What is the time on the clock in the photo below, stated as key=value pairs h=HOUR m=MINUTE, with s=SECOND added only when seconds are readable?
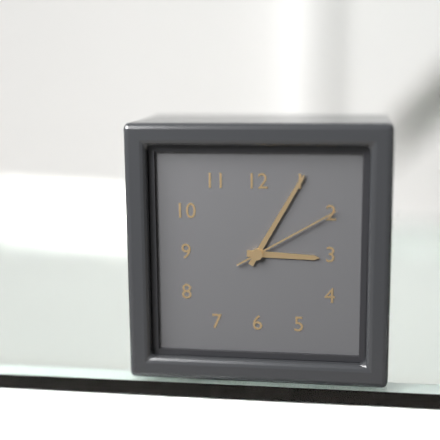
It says h=3 m=5 s=10
